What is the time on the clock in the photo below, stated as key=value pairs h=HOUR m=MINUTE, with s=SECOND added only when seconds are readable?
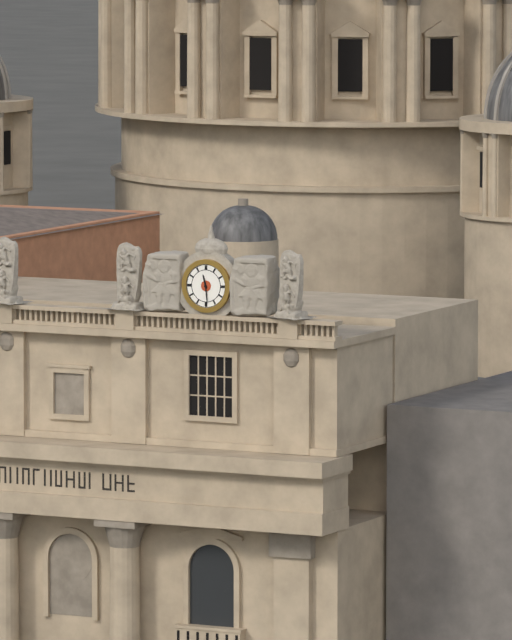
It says h=11 m=29
